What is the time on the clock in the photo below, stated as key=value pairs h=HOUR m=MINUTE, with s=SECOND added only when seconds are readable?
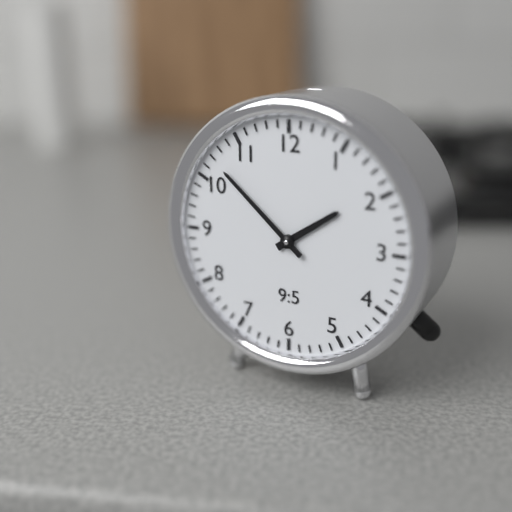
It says h=1 m=52
